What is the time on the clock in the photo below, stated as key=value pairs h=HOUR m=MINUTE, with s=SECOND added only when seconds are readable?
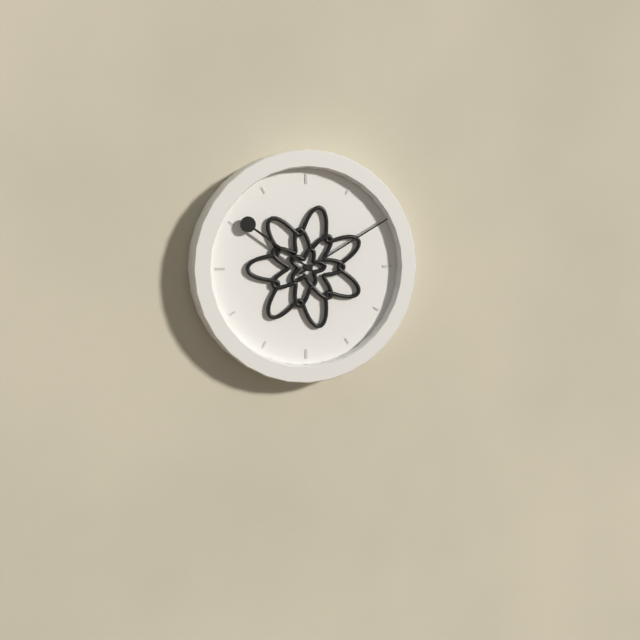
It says h=10 m=10
